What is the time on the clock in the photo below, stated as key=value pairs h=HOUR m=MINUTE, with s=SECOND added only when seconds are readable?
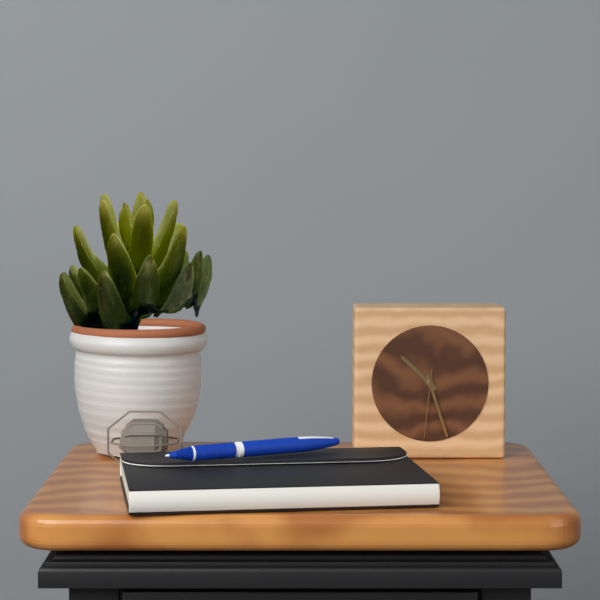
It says h=10 m=27 s=31
